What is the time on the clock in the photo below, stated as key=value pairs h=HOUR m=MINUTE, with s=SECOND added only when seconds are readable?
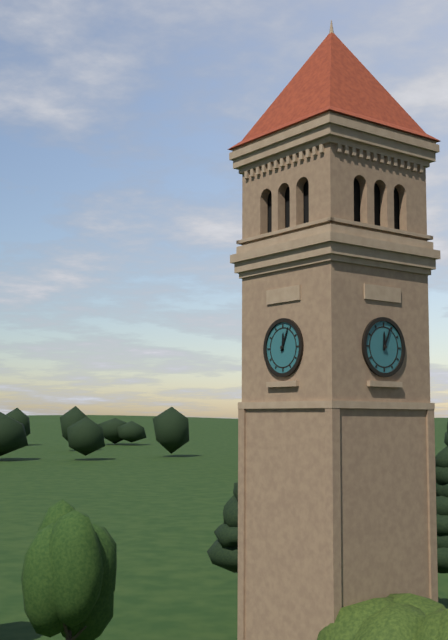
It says h=12 m=4
